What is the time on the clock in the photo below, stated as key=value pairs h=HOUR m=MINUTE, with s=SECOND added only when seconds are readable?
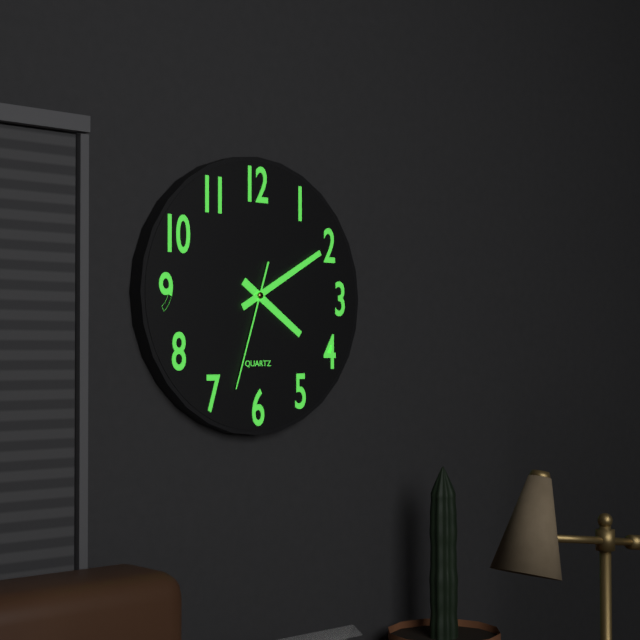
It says h=4 m=10 s=33
